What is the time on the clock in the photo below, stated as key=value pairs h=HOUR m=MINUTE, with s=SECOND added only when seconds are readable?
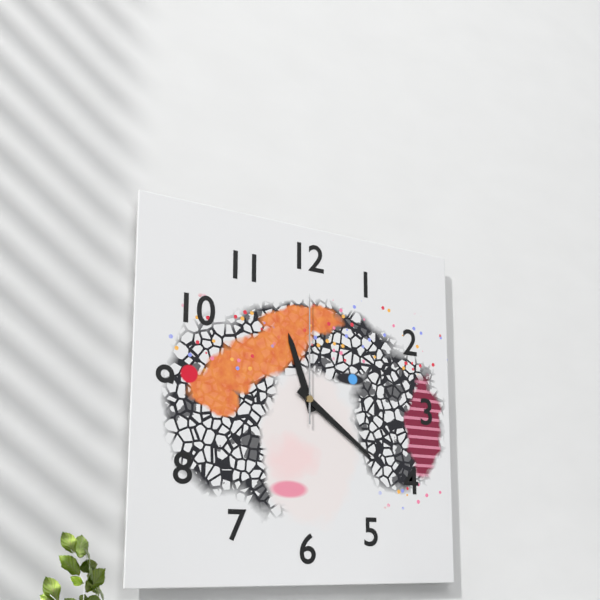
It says h=11 m=21 s=0
